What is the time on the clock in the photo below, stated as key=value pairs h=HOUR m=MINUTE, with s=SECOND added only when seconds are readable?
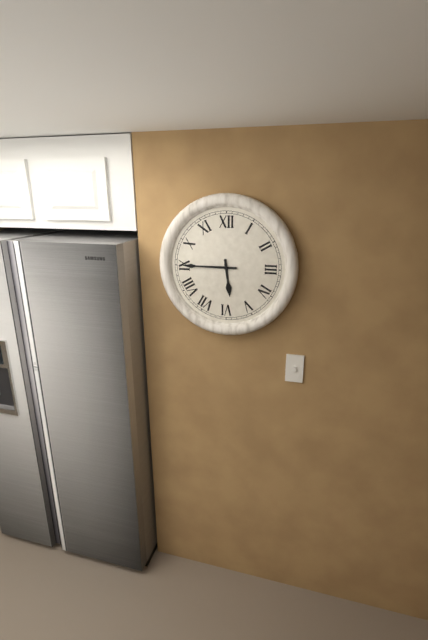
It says h=5 m=45
